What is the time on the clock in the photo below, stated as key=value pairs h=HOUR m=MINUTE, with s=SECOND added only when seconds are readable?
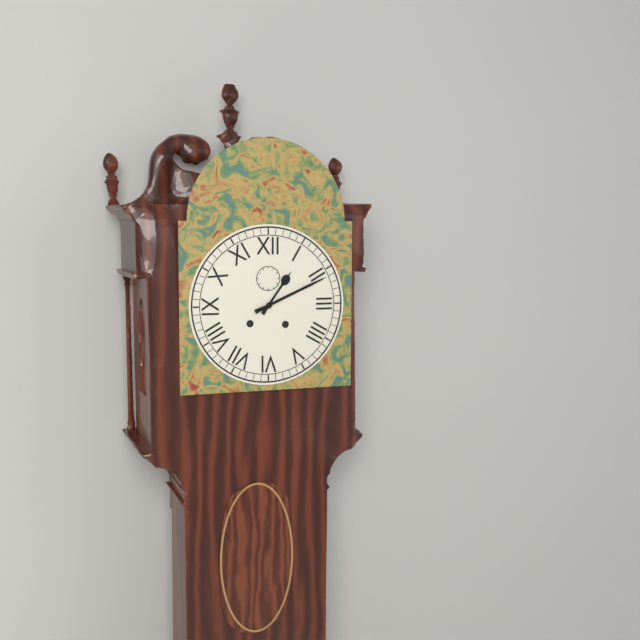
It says h=1 m=11
